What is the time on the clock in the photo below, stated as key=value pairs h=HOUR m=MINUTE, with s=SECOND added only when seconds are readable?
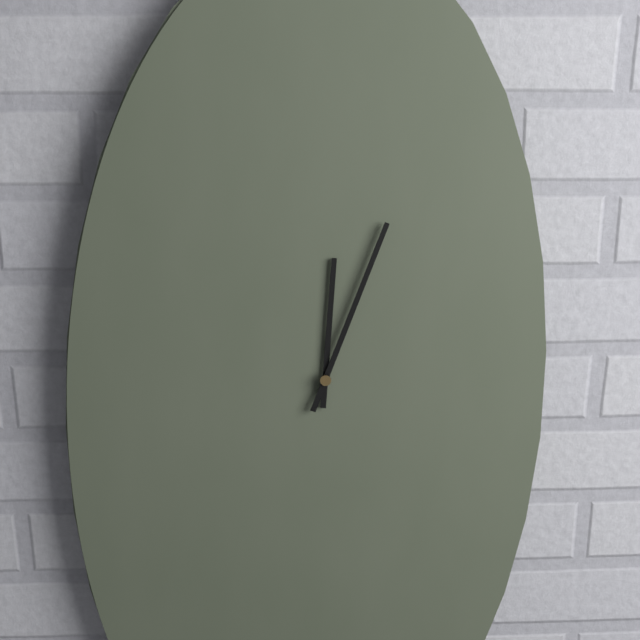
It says h=12 m=3
